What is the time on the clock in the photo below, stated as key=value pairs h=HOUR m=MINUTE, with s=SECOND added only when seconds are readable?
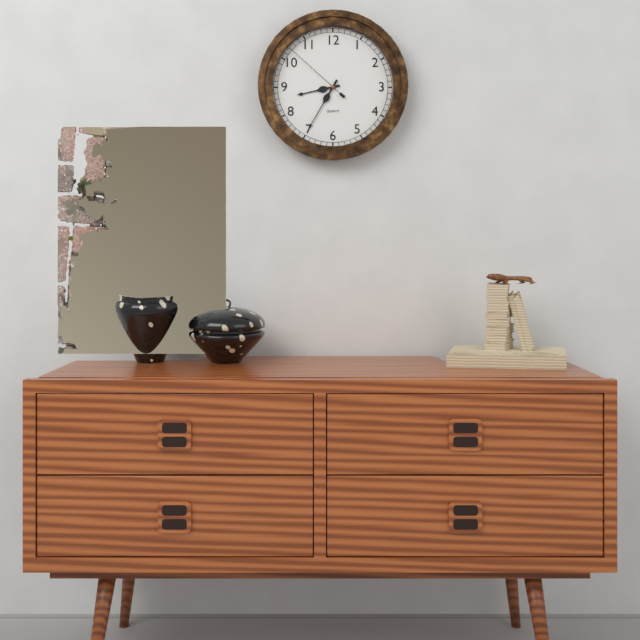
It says h=8 m=35 s=52
